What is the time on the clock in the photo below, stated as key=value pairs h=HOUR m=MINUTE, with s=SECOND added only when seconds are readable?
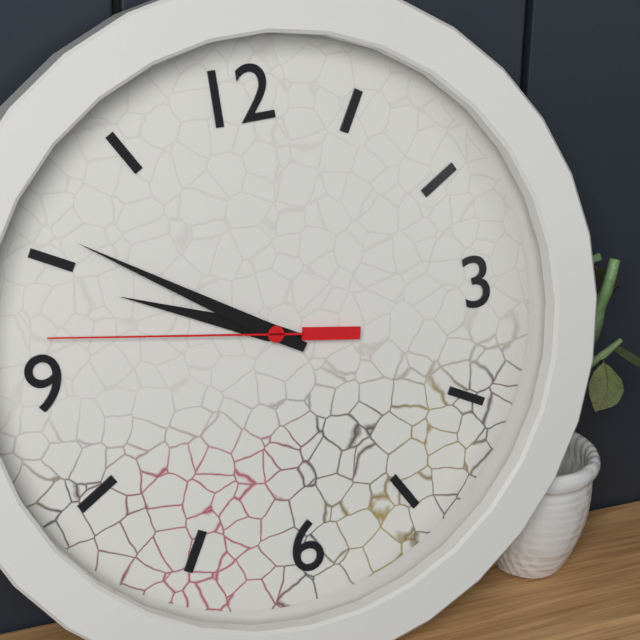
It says h=9 m=51 s=47
